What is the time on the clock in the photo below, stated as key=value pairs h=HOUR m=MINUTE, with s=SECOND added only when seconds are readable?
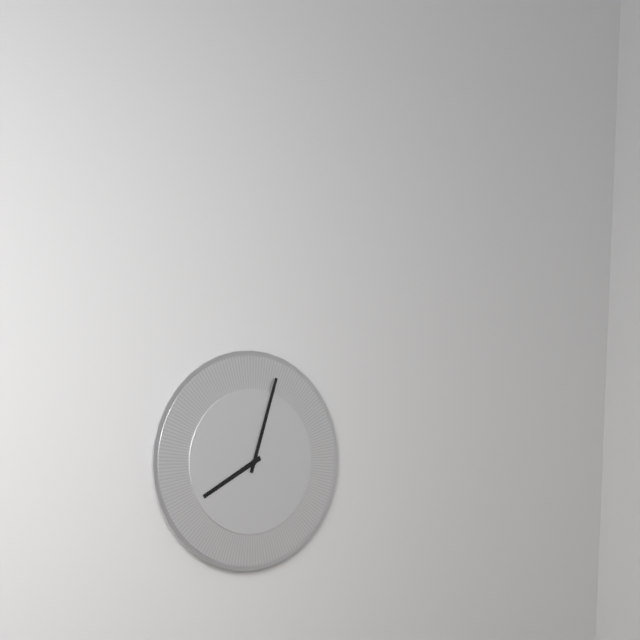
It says h=8 m=3
